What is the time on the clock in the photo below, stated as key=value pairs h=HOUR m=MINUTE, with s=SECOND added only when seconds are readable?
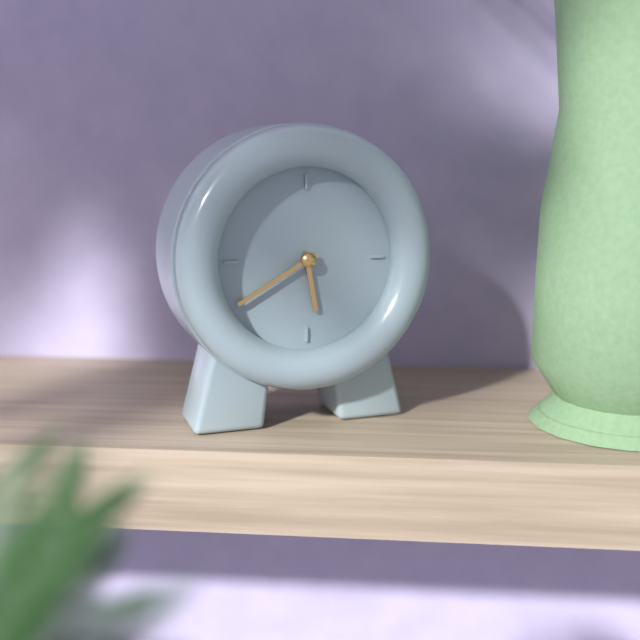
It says h=5 m=40
